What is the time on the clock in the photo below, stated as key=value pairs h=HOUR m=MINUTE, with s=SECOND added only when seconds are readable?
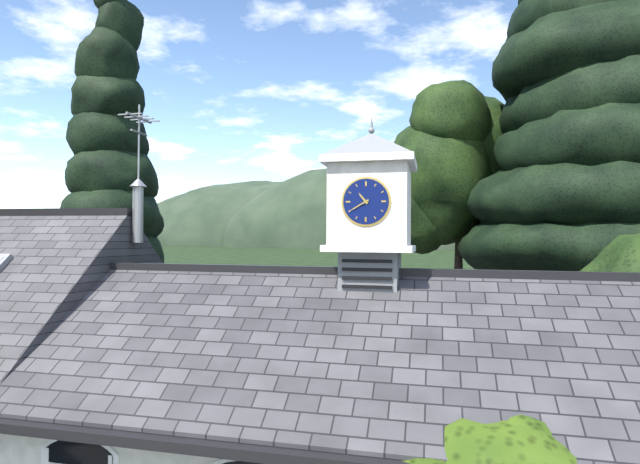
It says h=10 m=40
